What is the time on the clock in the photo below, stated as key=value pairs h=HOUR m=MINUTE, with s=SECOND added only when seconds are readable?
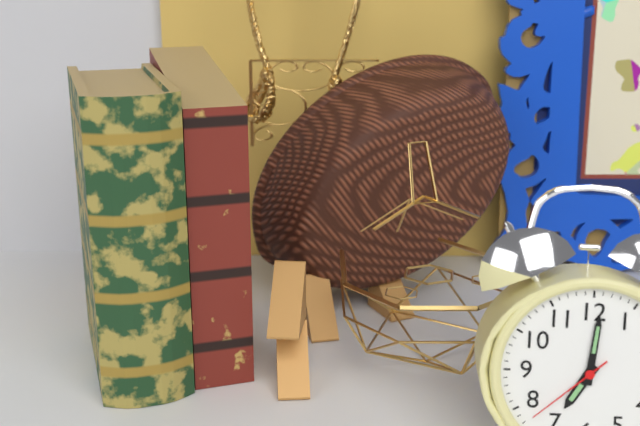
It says h=7 m=1 s=38
